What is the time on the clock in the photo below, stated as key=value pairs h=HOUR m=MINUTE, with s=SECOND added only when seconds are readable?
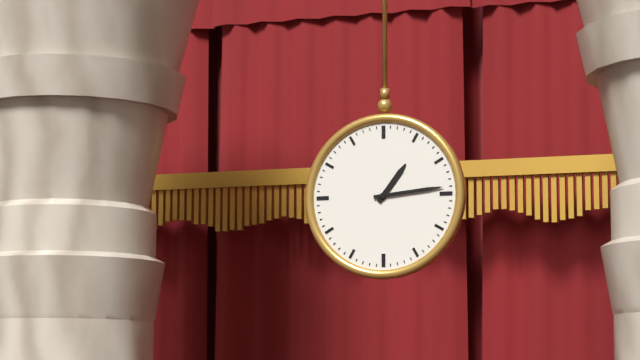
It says h=1 m=14
